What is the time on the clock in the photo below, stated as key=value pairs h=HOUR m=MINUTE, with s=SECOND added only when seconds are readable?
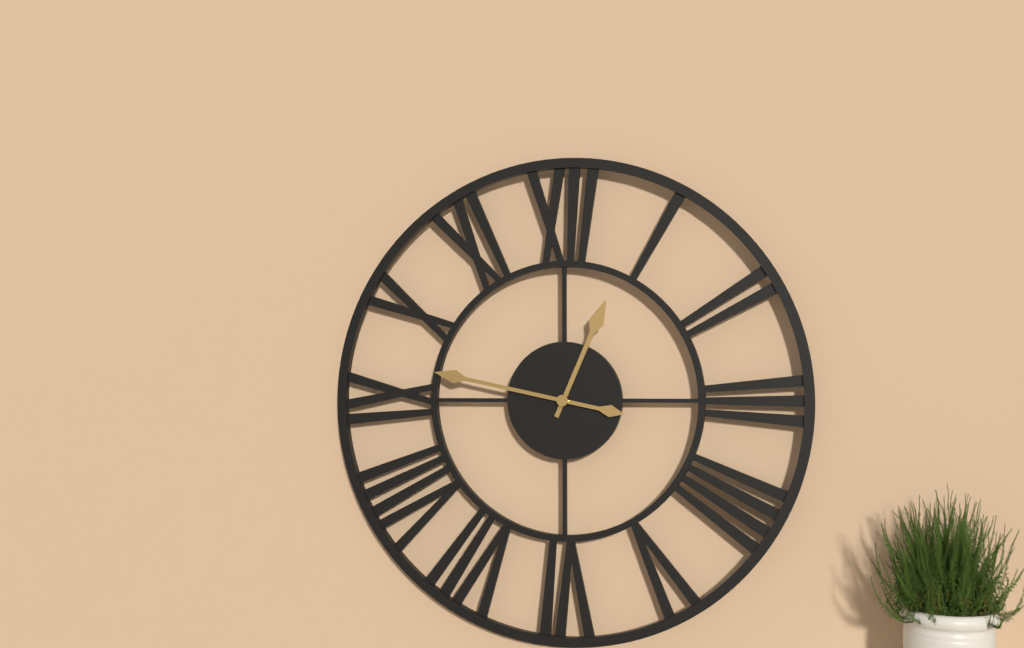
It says h=12 m=47
